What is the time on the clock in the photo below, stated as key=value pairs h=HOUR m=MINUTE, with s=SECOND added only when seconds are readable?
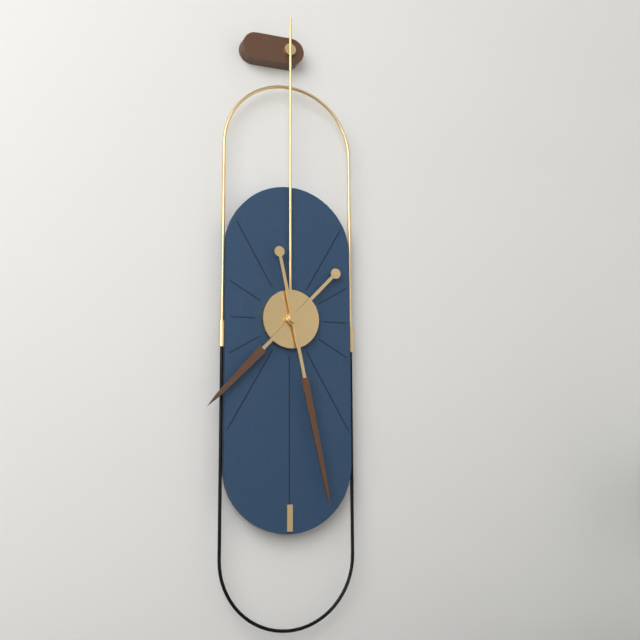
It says h=7 m=28
